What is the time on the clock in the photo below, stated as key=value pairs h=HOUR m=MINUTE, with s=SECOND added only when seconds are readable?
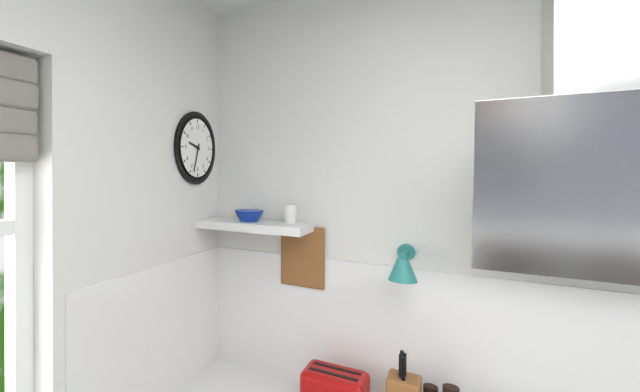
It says h=9 m=33
